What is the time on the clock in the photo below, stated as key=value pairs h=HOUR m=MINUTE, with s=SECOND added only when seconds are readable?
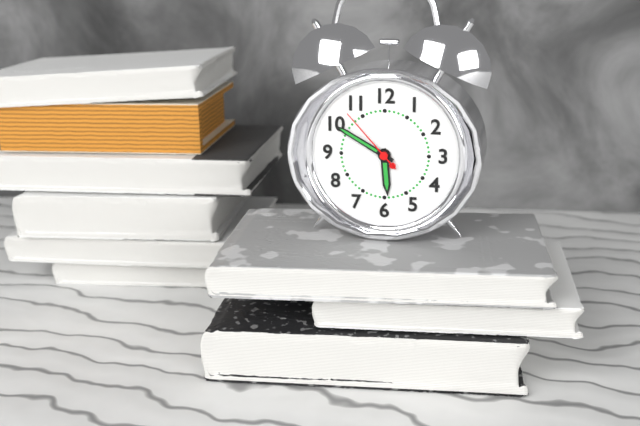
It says h=5 m=50 s=53
